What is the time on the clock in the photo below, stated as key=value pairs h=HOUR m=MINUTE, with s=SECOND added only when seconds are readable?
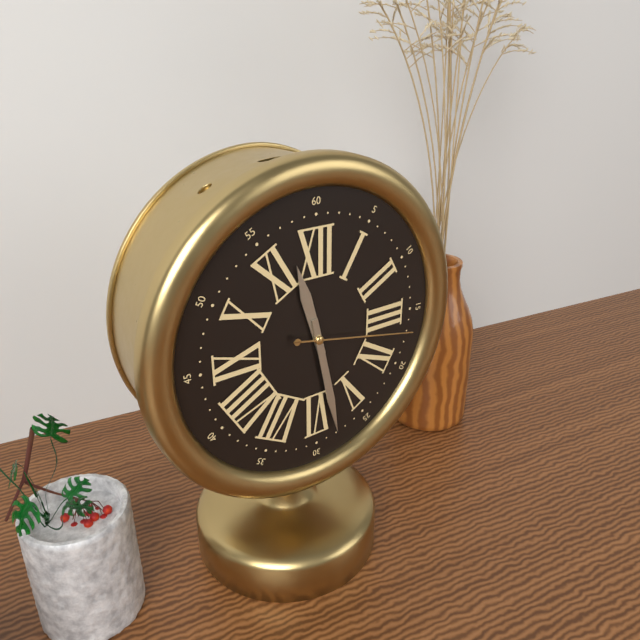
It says h=11 m=28 s=17
